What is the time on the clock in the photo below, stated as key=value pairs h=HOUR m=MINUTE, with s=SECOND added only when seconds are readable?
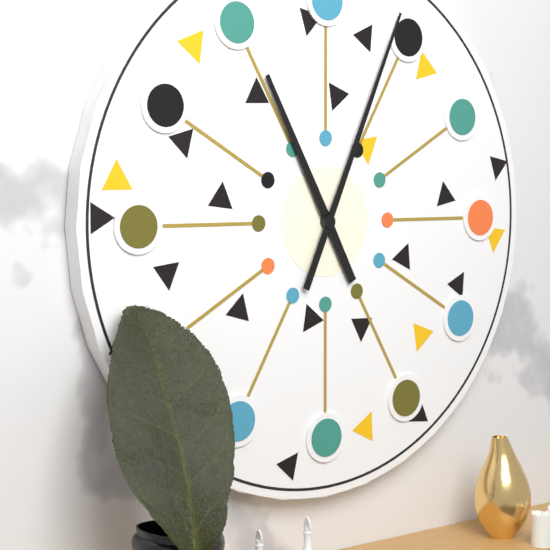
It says h=11 m=4
